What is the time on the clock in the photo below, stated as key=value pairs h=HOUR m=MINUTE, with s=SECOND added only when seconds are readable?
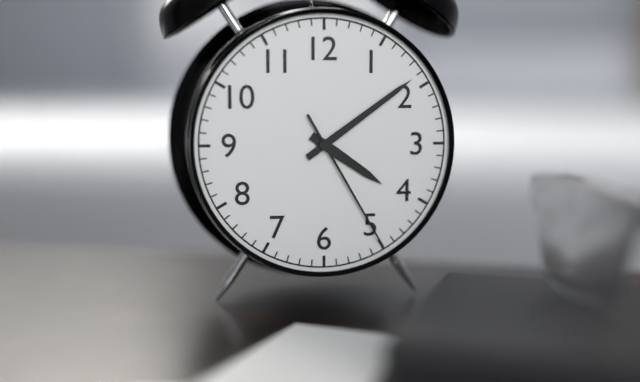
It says h=4 m=9 s=25
